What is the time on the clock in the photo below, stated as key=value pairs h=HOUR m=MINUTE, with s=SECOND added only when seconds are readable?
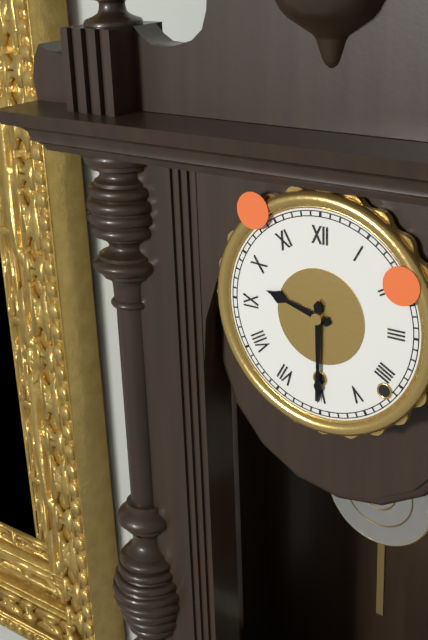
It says h=9 m=30
